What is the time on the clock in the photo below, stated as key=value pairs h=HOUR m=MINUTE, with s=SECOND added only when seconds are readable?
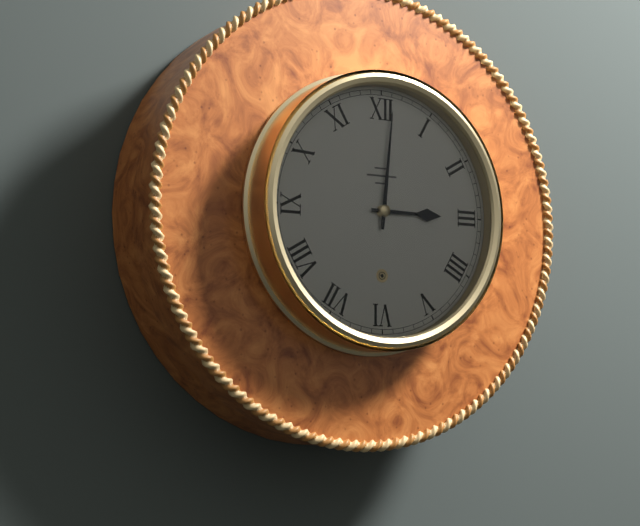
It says h=3 m=1
